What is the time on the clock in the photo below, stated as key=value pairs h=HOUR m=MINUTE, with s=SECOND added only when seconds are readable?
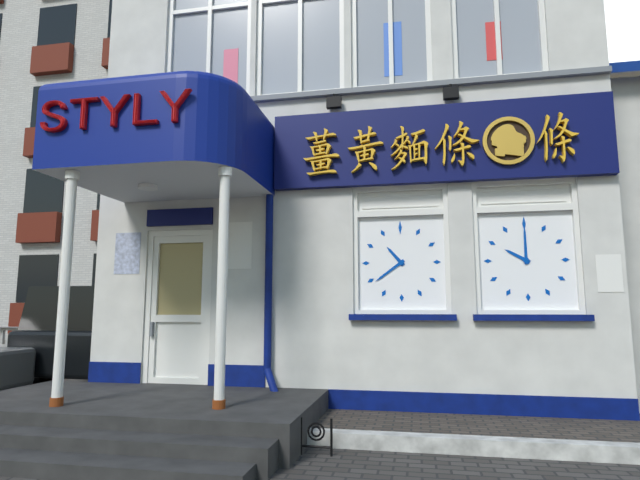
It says h=10 m=39
